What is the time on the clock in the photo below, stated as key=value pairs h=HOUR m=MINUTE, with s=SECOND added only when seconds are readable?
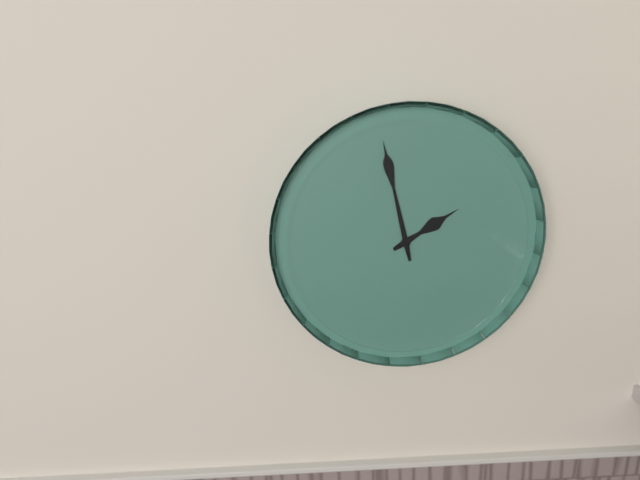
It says h=1 m=58
